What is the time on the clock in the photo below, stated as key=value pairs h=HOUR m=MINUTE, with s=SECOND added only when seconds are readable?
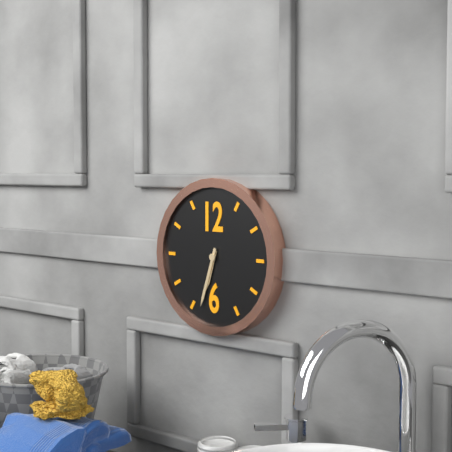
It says h=6 m=33
